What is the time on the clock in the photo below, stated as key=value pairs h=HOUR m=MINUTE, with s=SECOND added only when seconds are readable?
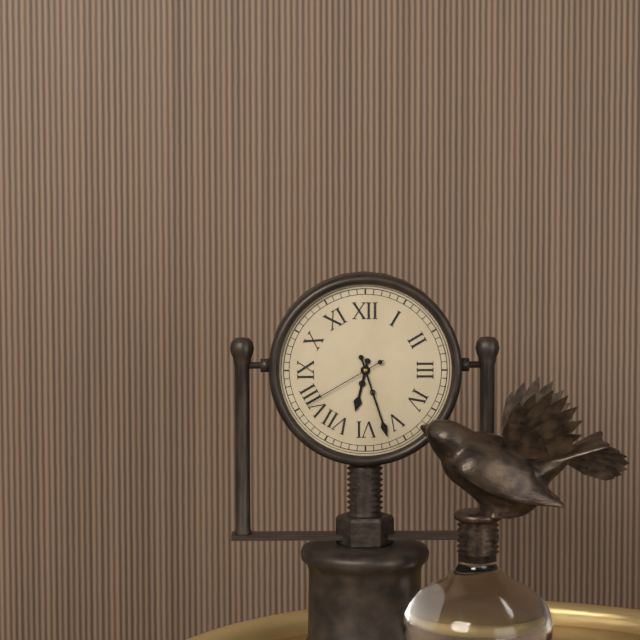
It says h=6 m=27 s=40
